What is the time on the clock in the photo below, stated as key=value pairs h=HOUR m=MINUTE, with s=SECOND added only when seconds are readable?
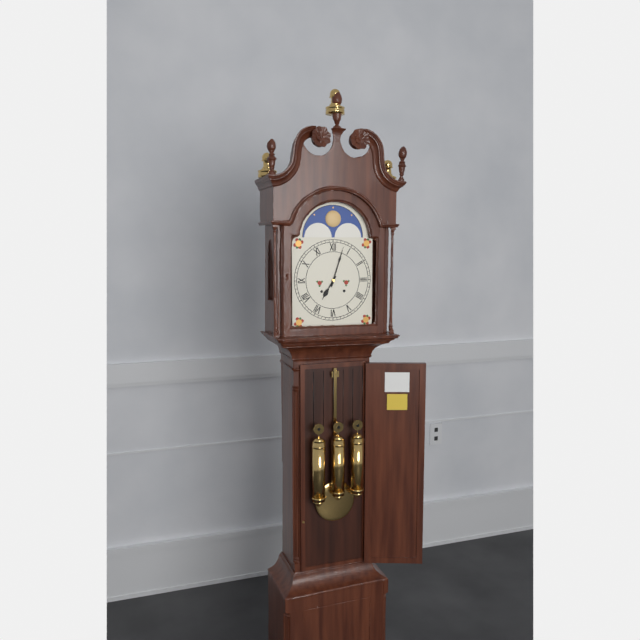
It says h=7 m=3
